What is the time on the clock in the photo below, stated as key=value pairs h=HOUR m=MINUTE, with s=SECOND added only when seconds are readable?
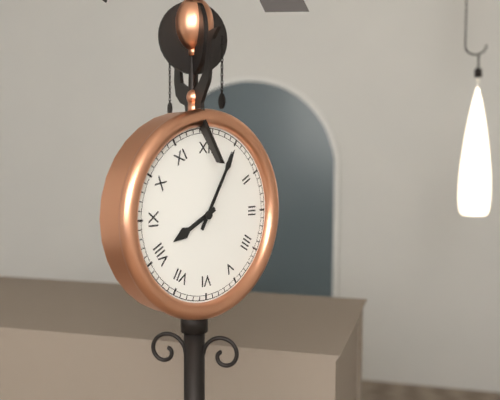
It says h=8 m=5
